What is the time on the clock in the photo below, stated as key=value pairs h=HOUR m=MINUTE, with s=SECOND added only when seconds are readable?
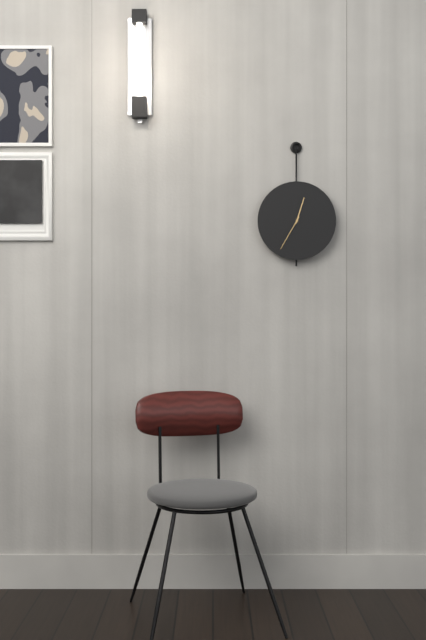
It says h=12 m=35
